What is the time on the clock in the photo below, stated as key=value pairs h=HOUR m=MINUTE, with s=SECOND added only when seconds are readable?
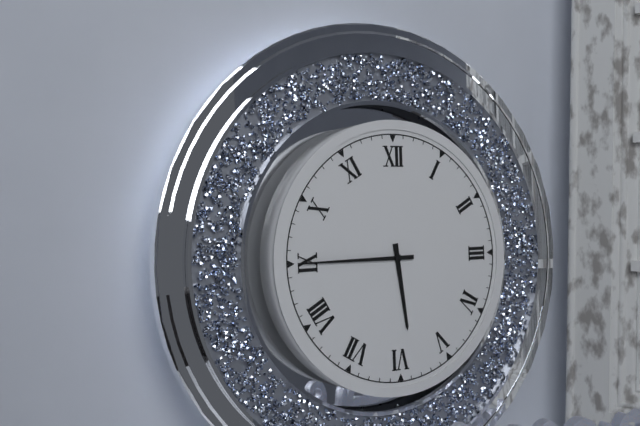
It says h=5 m=45
